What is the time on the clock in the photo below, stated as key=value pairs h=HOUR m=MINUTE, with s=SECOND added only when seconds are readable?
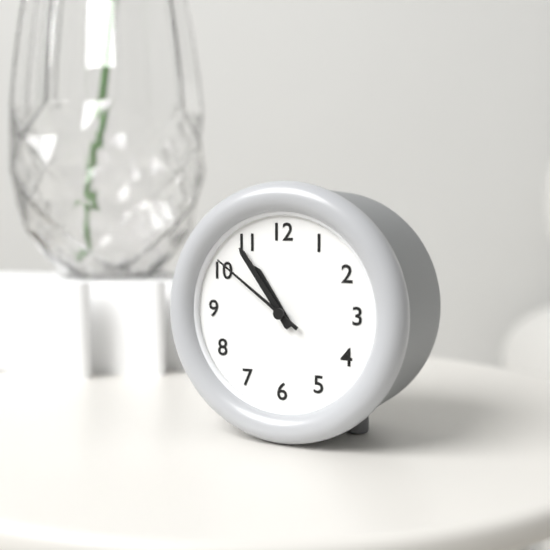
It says h=10 m=54 s=51
